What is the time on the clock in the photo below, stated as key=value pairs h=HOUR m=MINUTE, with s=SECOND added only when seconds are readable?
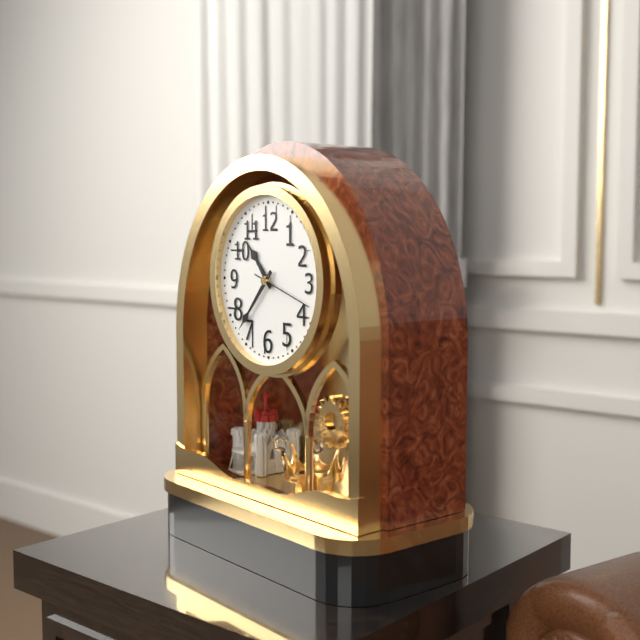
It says h=10 m=37 s=18
